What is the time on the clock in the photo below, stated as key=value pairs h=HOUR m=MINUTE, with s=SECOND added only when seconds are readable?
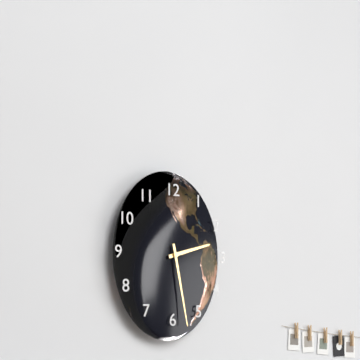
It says h=2 m=28
